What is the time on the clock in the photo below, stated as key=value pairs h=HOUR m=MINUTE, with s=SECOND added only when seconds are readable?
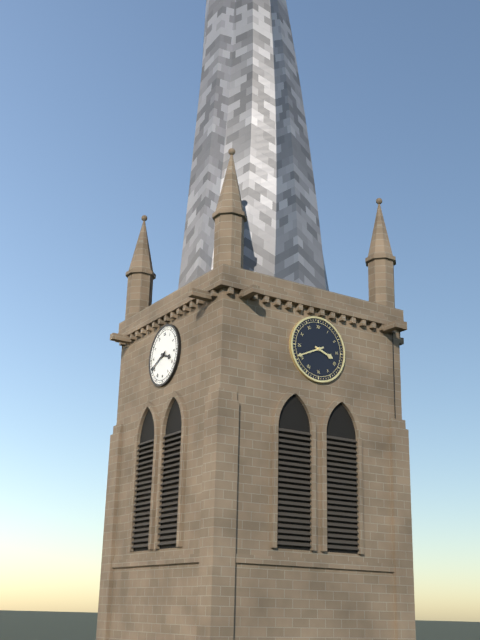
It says h=3 m=41
